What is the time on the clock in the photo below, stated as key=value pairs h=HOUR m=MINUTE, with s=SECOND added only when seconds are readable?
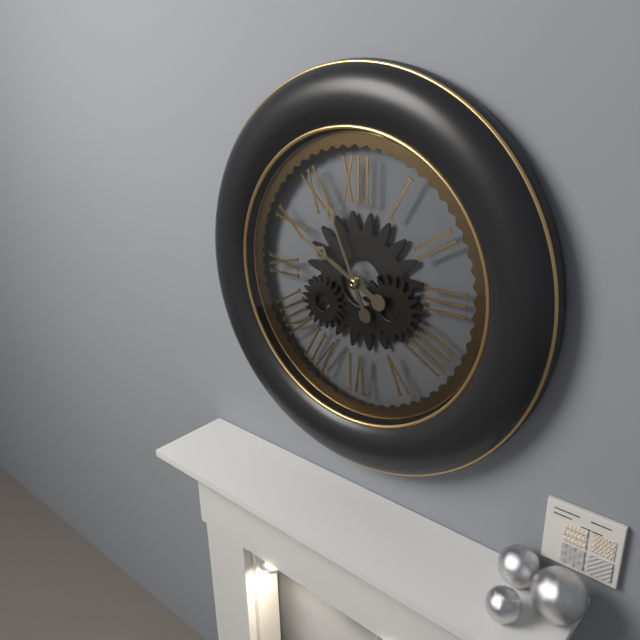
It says h=9 m=56
